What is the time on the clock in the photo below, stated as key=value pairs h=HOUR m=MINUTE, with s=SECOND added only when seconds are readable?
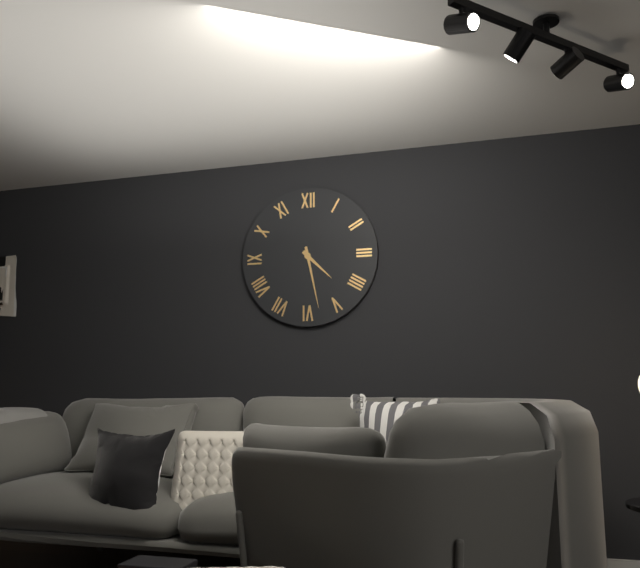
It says h=4 m=28
